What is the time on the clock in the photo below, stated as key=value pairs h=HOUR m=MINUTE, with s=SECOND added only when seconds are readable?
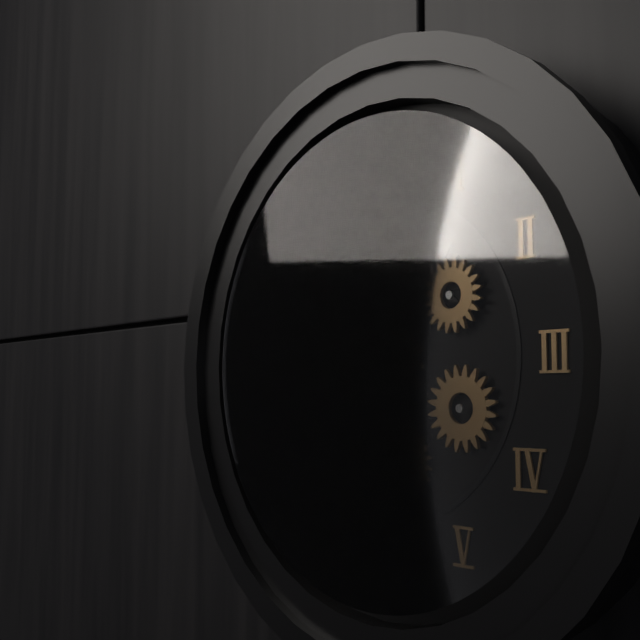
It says h=8 m=36
